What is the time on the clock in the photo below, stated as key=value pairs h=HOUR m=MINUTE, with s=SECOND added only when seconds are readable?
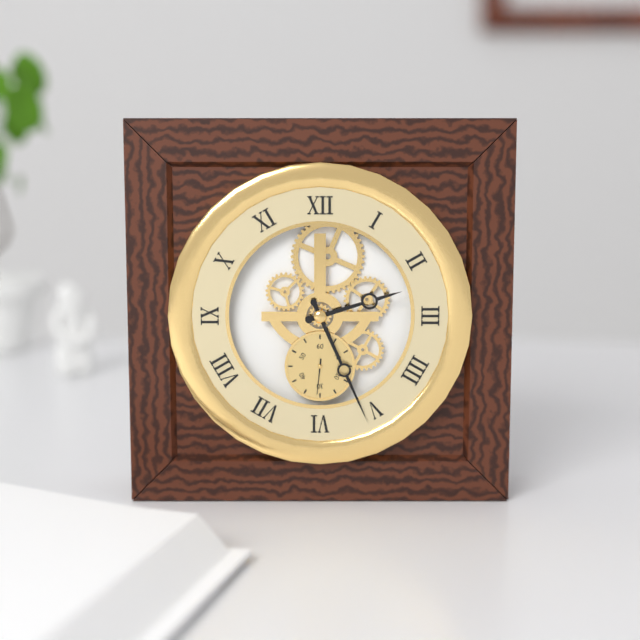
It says h=2 m=26 s=31
